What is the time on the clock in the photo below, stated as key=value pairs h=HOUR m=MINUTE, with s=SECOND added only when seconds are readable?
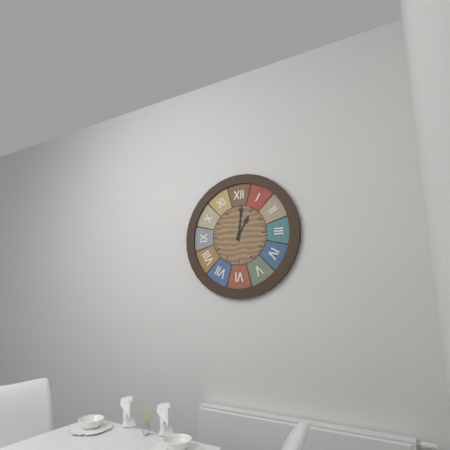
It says h=1 m=1
